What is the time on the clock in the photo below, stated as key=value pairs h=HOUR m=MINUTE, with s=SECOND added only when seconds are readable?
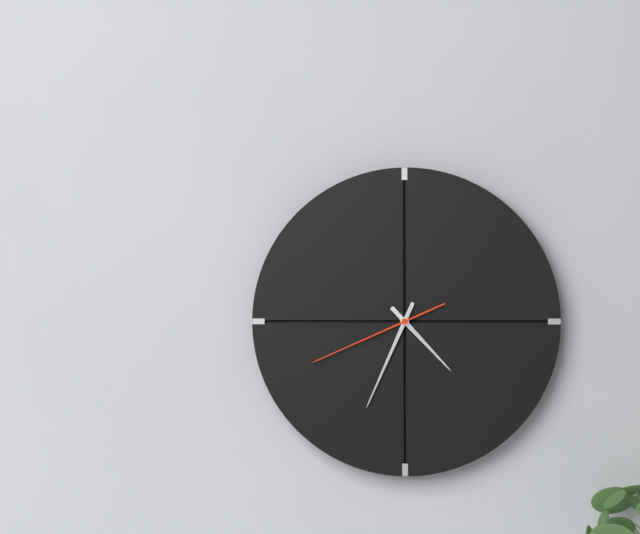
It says h=4 m=34 s=41
